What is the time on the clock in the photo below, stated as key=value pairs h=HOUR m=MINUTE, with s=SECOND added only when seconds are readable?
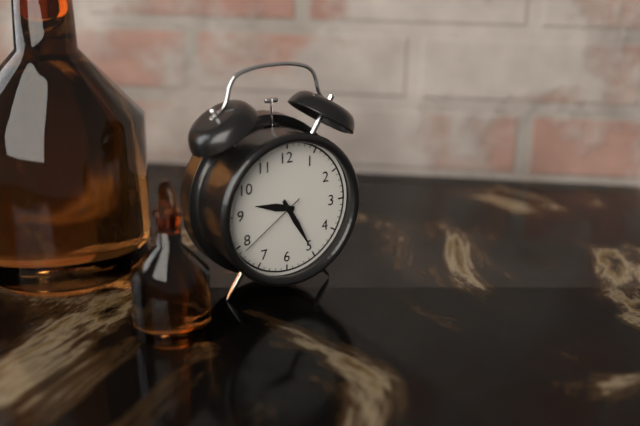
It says h=9 m=25 s=39
